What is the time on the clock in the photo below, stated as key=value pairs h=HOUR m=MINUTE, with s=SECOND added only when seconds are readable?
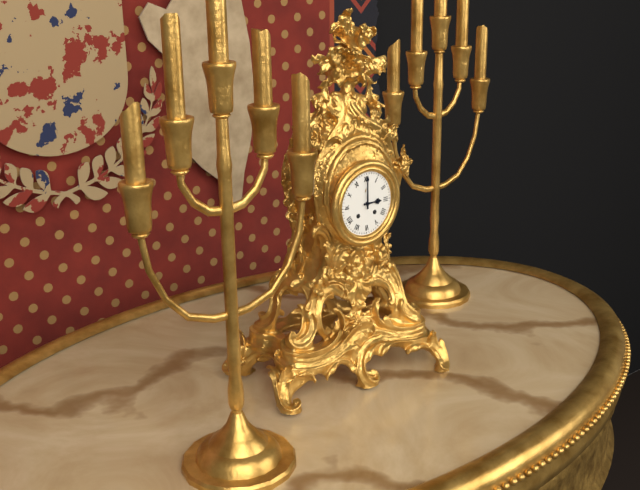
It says h=3 m=0
